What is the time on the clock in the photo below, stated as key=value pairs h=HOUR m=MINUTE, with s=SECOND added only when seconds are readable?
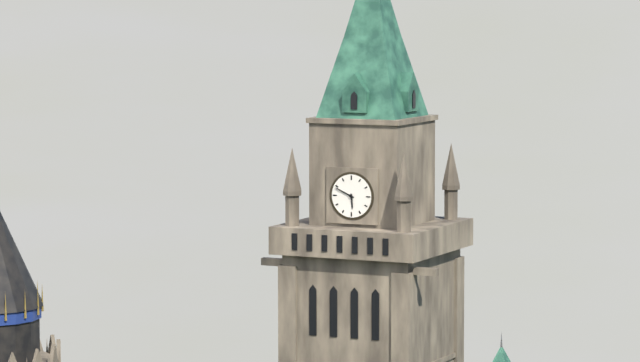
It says h=5 m=49
